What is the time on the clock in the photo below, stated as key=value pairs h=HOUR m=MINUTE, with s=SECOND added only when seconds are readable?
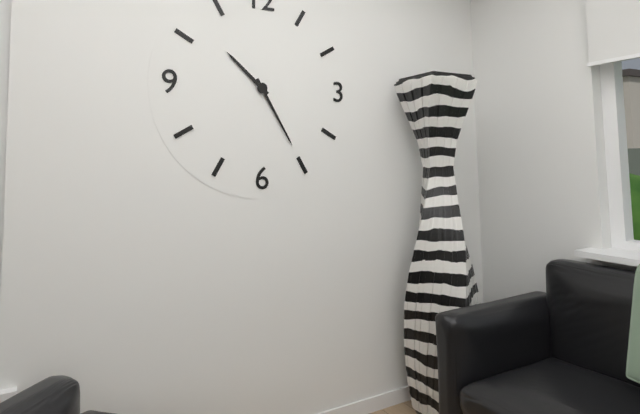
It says h=10 m=25
